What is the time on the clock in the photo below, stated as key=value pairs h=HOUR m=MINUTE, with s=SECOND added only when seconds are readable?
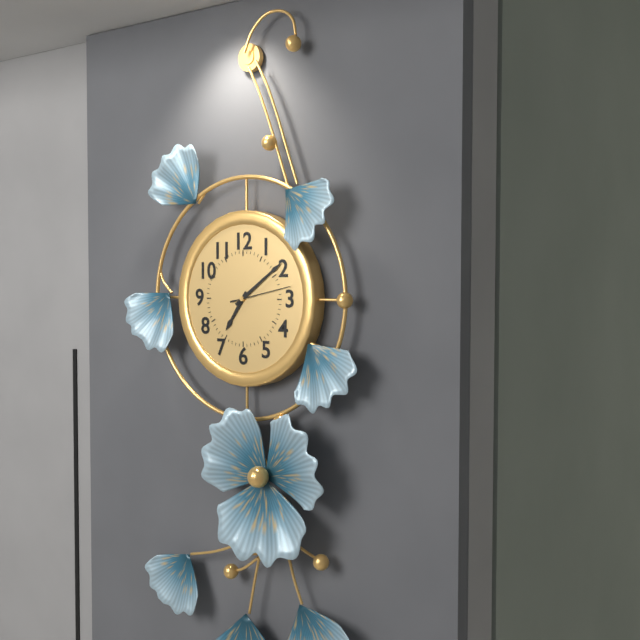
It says h=7 m=9 s=13
